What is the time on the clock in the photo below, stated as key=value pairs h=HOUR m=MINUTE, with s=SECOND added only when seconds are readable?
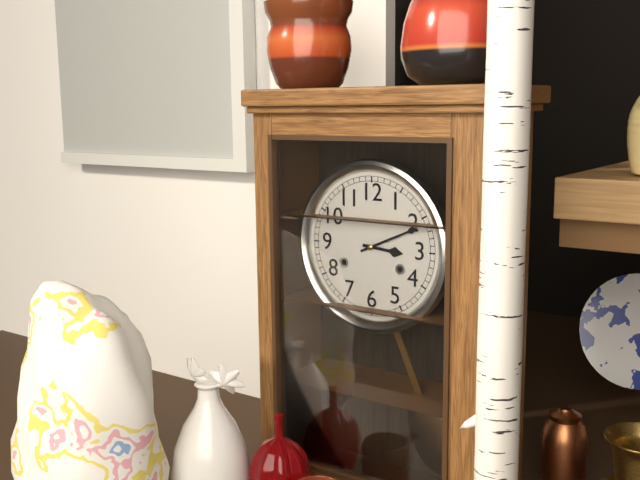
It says h=3 m=11
